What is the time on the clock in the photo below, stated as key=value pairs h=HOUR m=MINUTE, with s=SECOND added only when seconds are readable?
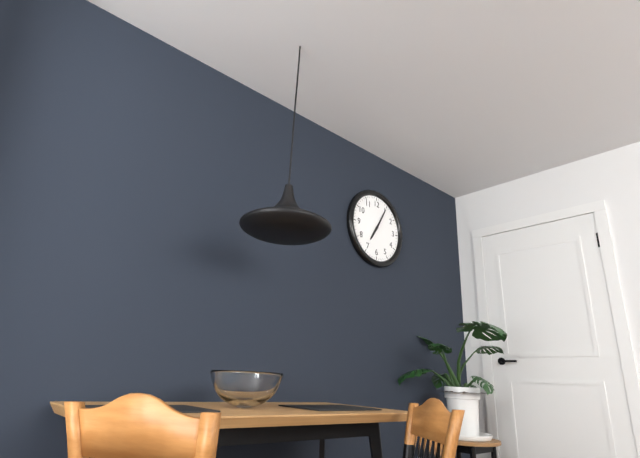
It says h=7 m=5
